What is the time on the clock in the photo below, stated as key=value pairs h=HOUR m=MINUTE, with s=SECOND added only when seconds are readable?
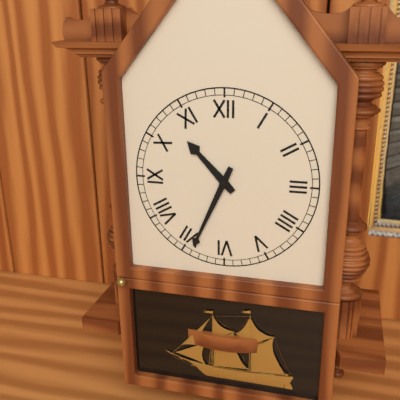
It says h=10 m=34
